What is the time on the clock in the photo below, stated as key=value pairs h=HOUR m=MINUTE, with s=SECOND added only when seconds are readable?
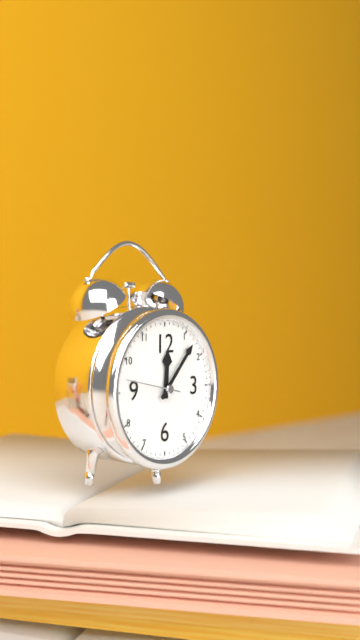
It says h=12 m=7 s=47
